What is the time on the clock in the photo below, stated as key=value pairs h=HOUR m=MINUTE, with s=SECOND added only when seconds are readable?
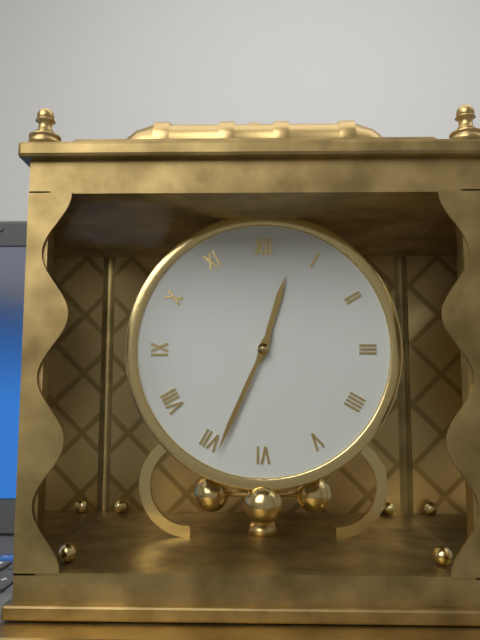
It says h=12 m=34
